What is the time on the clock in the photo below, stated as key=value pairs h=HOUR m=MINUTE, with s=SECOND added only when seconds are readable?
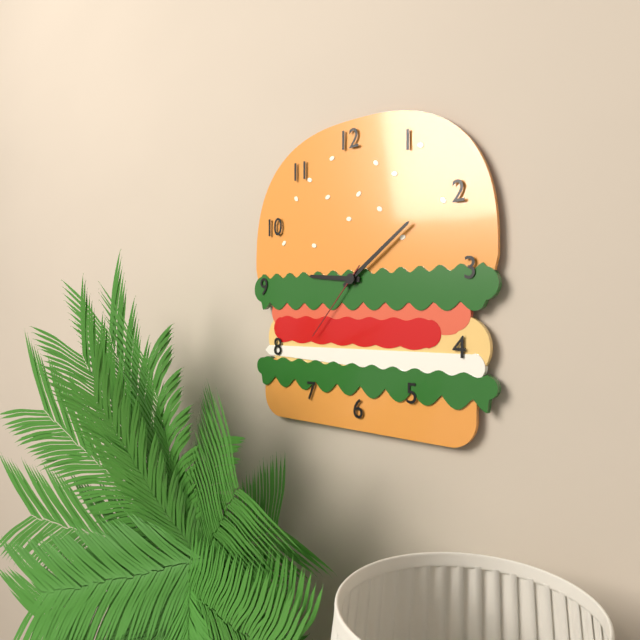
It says h=9 m=9 s=37
